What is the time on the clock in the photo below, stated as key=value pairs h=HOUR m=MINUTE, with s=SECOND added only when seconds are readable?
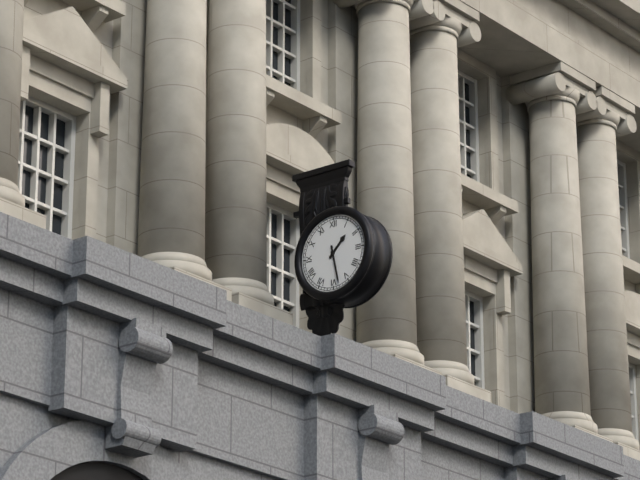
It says h=1 m=28
